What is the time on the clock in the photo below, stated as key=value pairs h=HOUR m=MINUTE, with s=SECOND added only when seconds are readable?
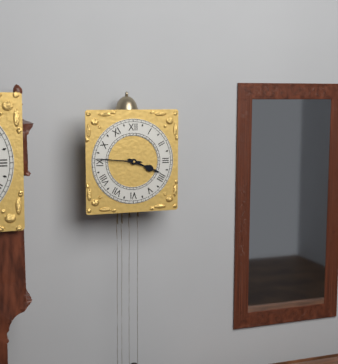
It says h=3 m=46
